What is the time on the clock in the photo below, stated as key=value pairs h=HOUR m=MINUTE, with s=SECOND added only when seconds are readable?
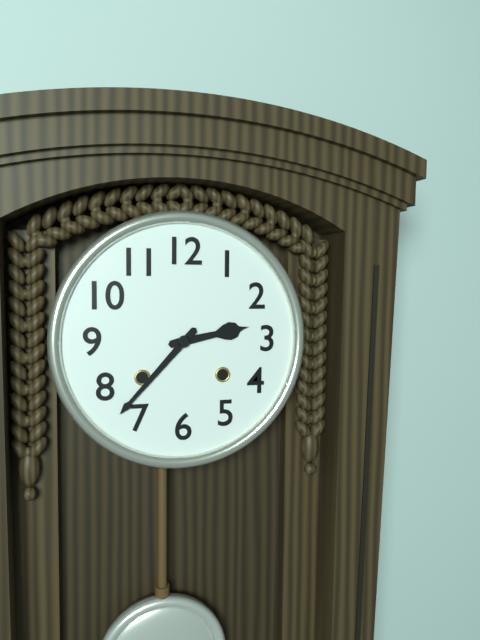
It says h=2 m=37
